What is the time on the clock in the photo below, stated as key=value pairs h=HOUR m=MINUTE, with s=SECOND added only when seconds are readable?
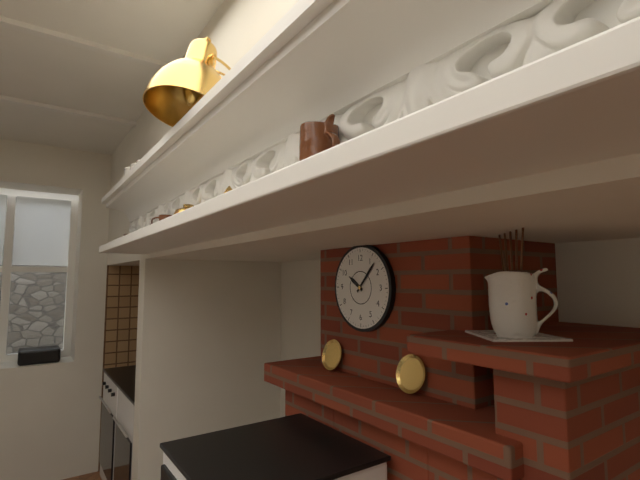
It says h=10 m=7
